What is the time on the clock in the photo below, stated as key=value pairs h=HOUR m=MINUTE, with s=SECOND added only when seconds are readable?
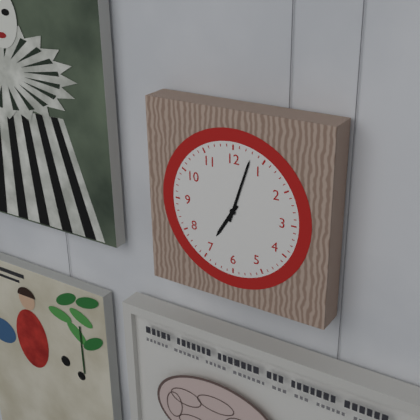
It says h=7 m=3
